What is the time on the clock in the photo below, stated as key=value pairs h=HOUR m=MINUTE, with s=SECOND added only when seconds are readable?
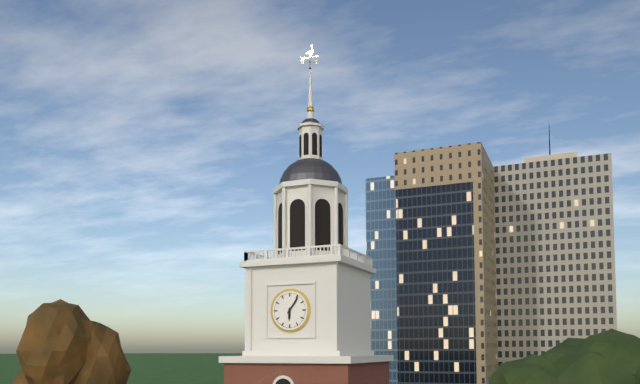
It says h=6 m=6
